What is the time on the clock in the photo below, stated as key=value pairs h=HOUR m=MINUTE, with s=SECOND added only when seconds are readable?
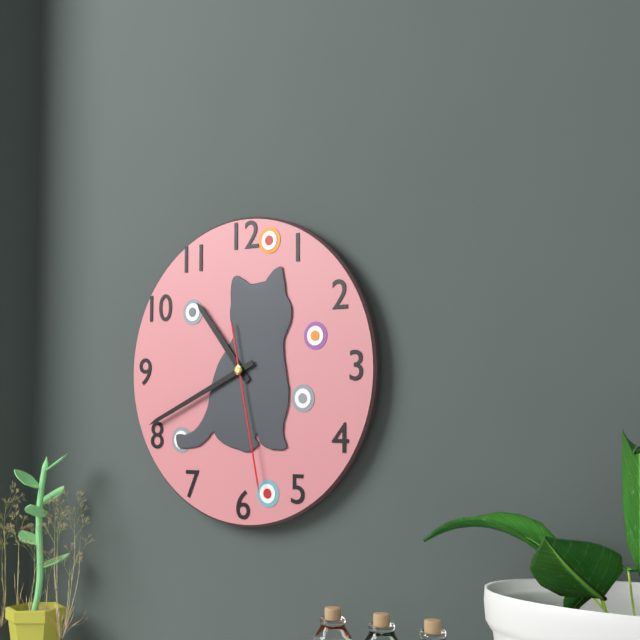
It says h=10 m=41 s=28
